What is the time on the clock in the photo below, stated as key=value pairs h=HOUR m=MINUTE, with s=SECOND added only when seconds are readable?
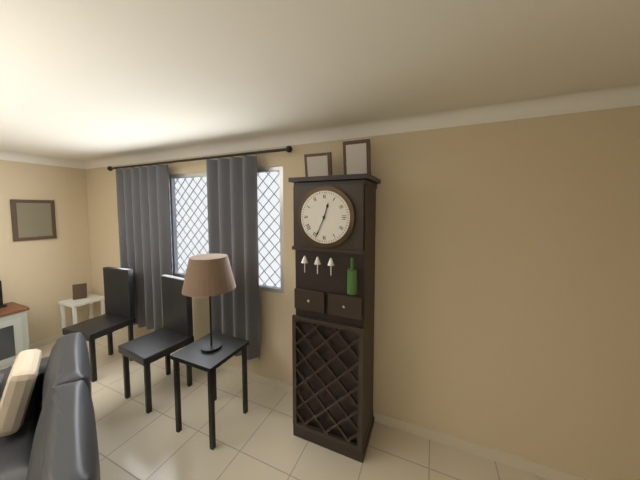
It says h=12 m=34
